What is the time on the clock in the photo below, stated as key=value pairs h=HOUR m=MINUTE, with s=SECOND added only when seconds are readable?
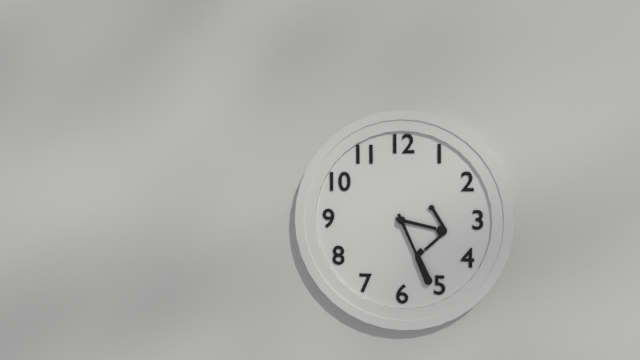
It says h=3 m=26
